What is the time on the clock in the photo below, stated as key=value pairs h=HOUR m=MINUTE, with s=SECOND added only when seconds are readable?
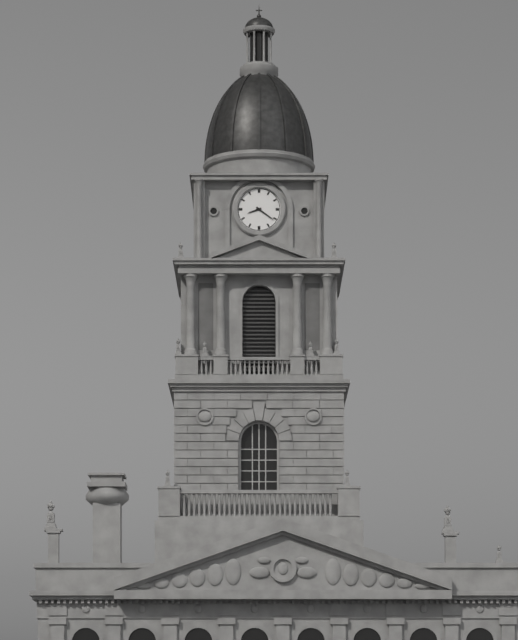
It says h=8 m=21
